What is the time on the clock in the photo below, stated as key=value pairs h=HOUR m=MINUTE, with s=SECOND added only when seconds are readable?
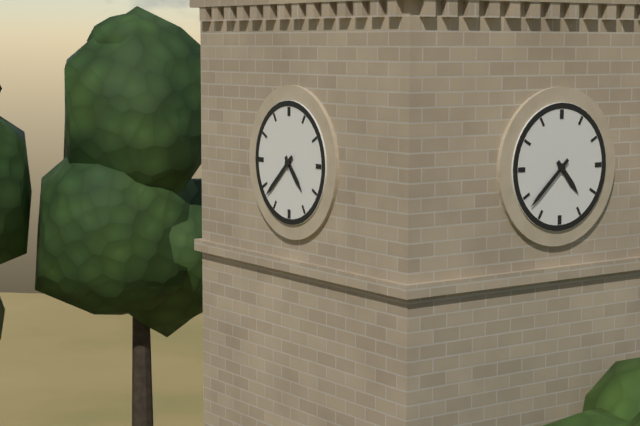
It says h=4 m=38
